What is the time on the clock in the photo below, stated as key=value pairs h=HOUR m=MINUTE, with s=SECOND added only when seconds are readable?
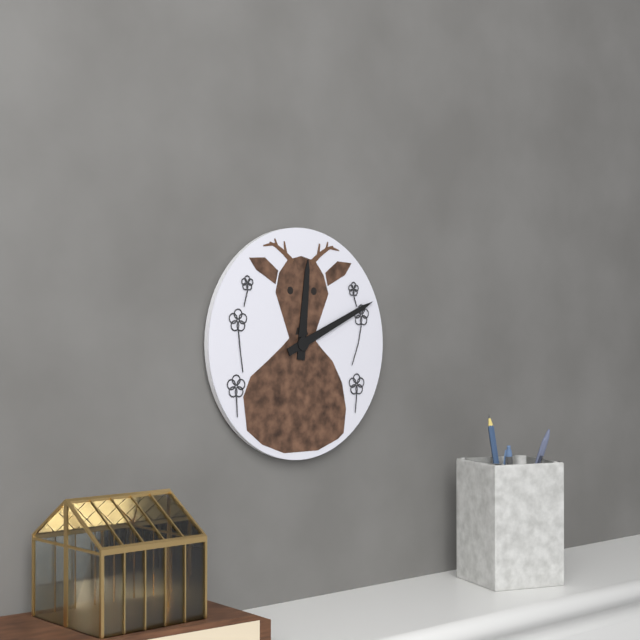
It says h=12 m=11
